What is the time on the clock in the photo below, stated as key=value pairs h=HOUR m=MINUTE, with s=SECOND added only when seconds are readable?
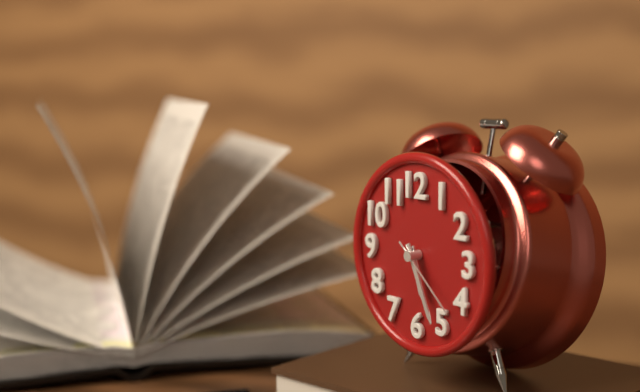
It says h=5 m=26 s=22
